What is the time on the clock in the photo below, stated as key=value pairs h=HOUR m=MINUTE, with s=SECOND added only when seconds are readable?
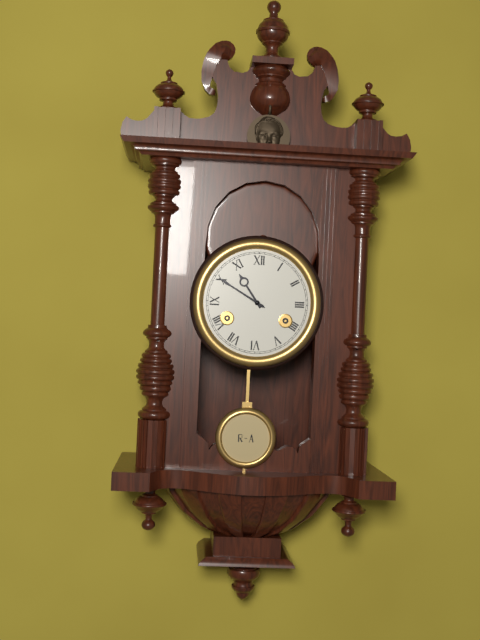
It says h=10 m=50
